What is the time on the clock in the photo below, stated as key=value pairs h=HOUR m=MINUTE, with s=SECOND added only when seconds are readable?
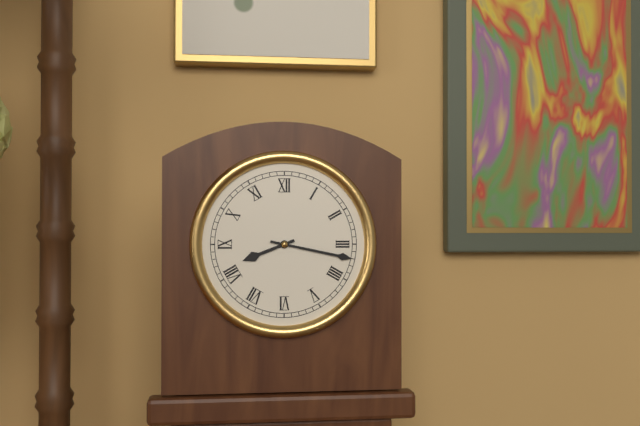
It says h=8 m=17
